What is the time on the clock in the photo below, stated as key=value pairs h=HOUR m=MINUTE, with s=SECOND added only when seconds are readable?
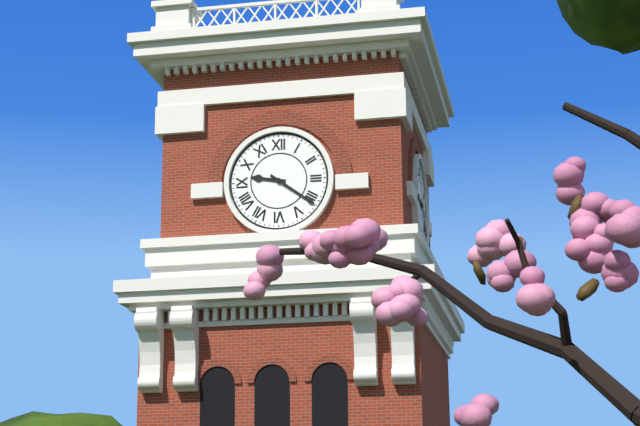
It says h=9 m=21
